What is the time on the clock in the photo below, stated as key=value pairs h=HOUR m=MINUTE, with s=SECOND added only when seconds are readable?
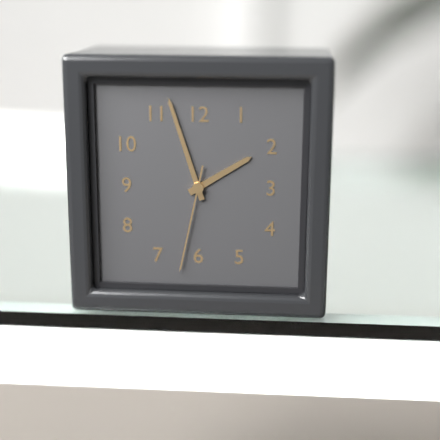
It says h=1 m=57 s=32
